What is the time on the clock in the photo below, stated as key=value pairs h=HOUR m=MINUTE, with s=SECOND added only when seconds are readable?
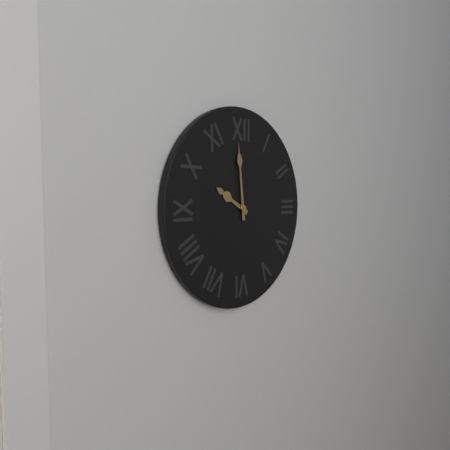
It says h=9 m=59
